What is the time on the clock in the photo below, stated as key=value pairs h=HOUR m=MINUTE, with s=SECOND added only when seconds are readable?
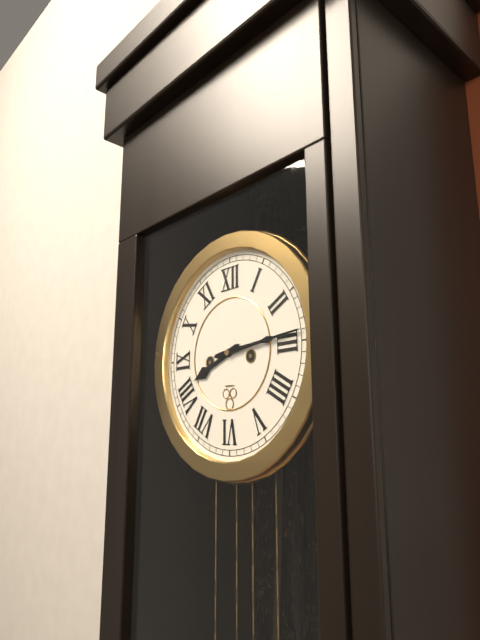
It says h=8 m=14
